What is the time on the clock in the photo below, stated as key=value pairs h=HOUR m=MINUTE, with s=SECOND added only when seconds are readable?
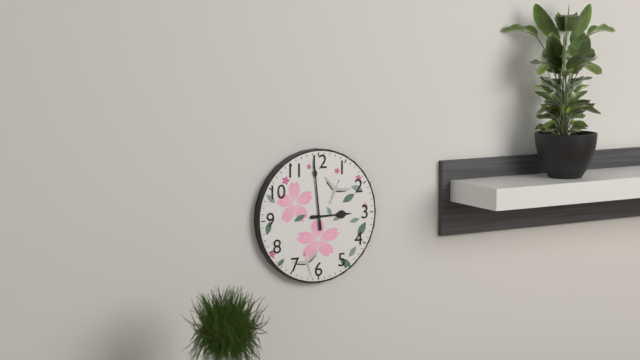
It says h=2 m=59
